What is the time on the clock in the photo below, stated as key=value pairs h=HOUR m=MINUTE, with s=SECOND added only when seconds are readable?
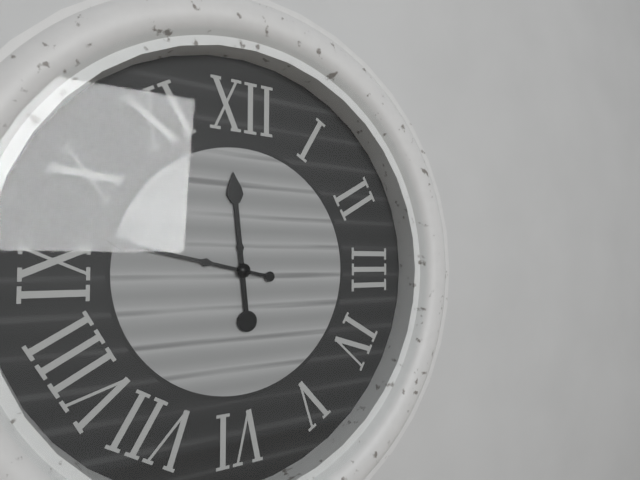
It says h=11 m=47
